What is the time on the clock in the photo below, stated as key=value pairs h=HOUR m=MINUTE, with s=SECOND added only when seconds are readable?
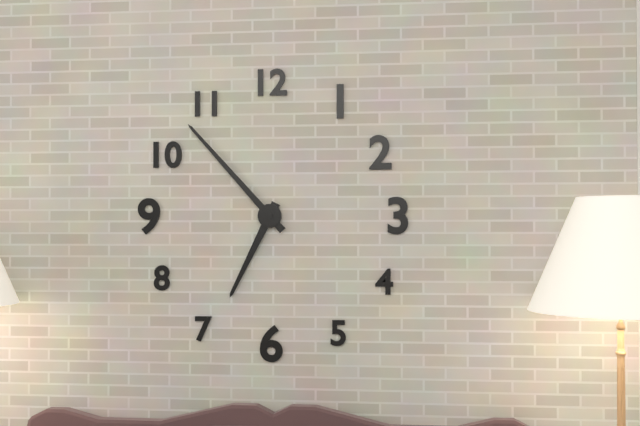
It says h=6 m=53
